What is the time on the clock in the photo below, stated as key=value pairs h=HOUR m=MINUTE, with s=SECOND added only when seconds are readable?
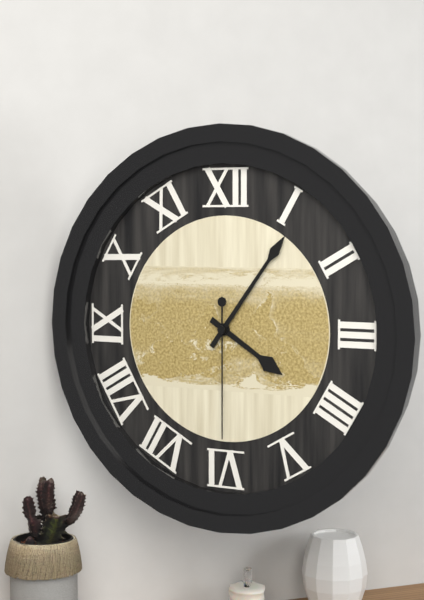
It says h=4 m=6 s=30
